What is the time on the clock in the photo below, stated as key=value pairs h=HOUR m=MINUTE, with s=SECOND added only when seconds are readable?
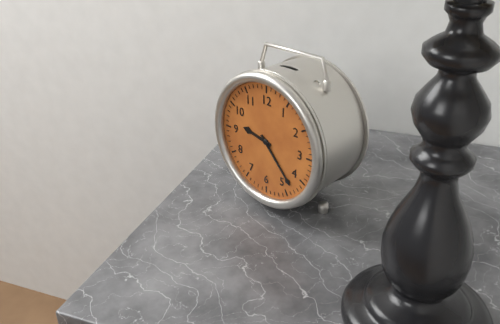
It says h=9 m=23
